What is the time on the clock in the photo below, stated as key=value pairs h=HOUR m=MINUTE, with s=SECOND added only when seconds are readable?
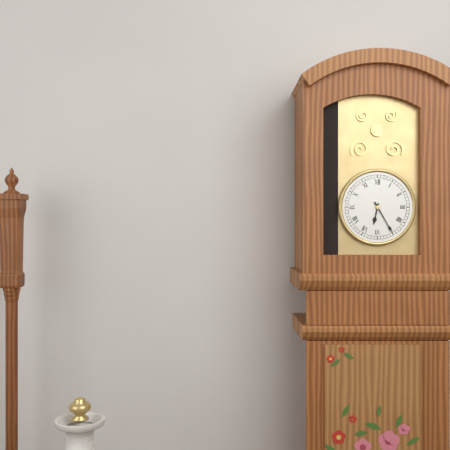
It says h=6 m=25
